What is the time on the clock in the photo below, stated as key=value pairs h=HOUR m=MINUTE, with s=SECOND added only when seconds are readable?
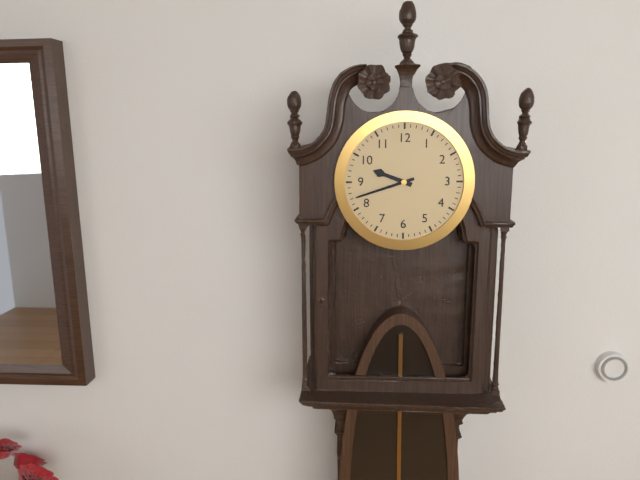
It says h=9 m=42
